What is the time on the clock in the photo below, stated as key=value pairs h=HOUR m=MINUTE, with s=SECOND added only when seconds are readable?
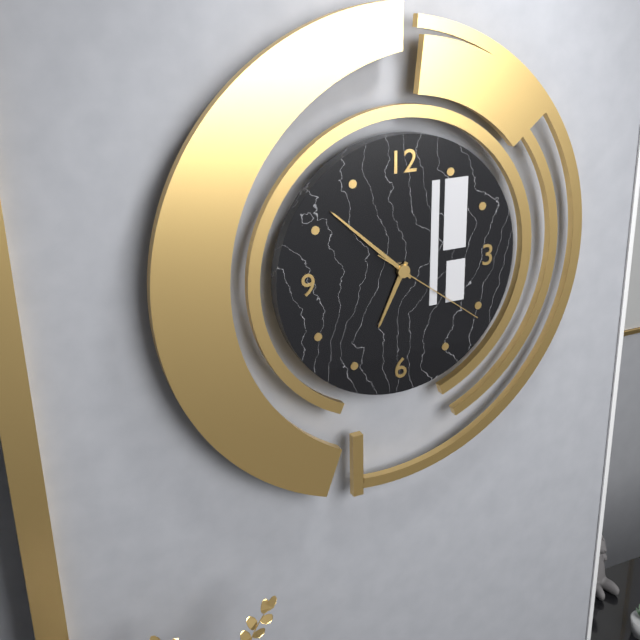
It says h=6 m=52 s=21
